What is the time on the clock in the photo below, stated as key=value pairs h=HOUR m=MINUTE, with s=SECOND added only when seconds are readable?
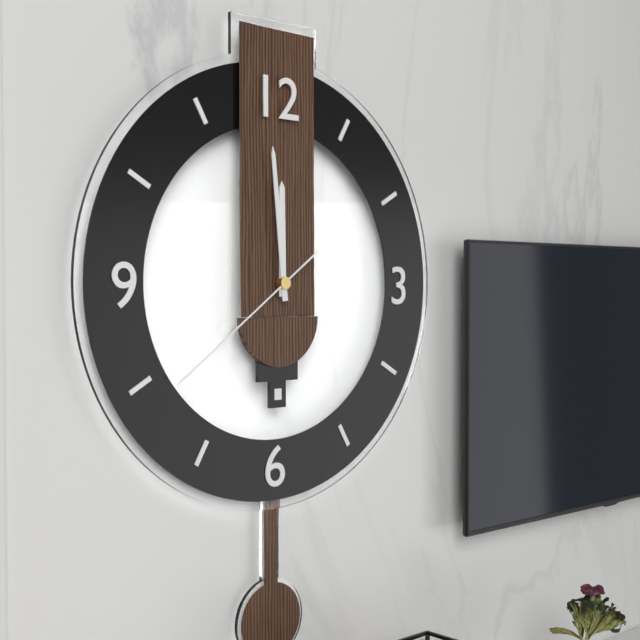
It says h=11 m=59 s=39
